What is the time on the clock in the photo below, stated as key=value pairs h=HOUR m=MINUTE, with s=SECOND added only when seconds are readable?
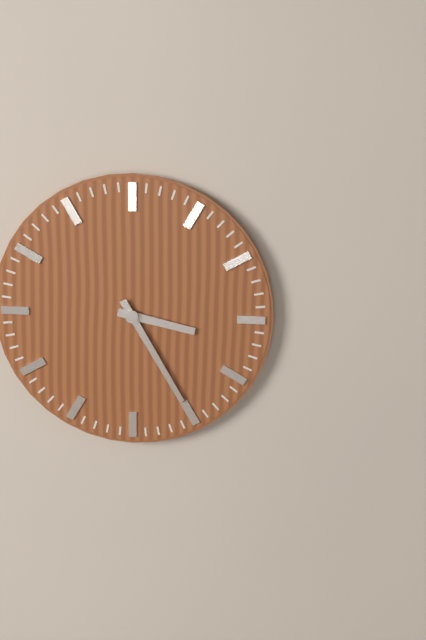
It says h=3 m=25
